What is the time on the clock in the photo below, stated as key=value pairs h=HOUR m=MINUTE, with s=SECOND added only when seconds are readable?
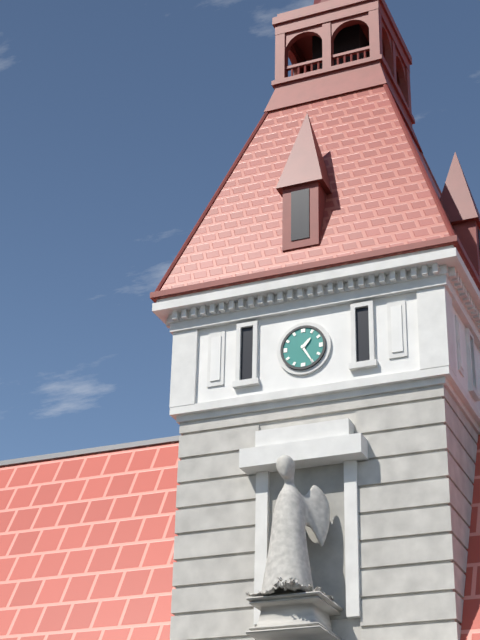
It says h=1 m=25
